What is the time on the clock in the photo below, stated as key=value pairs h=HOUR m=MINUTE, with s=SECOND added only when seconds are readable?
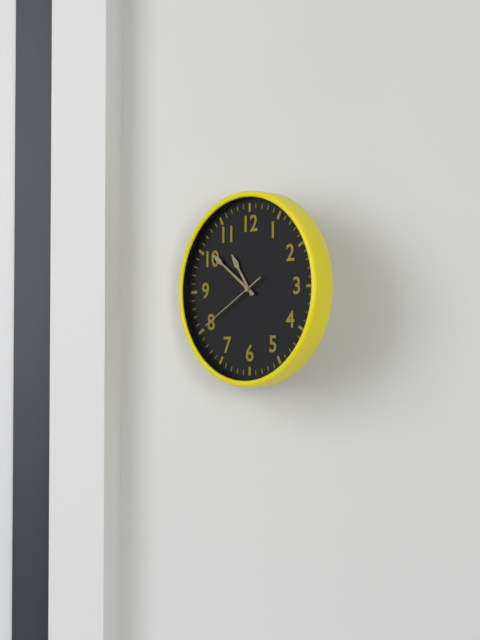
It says h=10 m=51 s=40
